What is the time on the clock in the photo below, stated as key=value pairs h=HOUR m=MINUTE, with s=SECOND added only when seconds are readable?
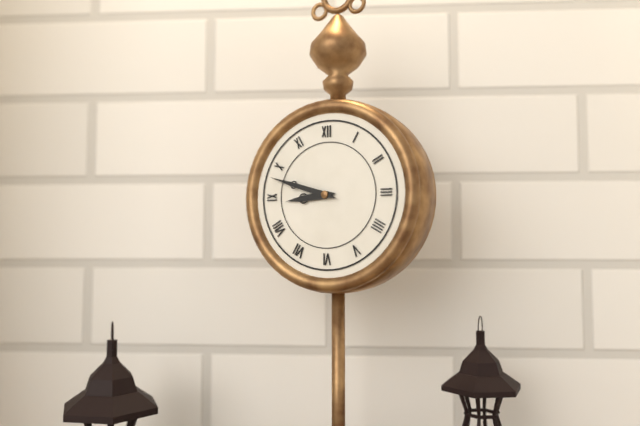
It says h=8 m=48
